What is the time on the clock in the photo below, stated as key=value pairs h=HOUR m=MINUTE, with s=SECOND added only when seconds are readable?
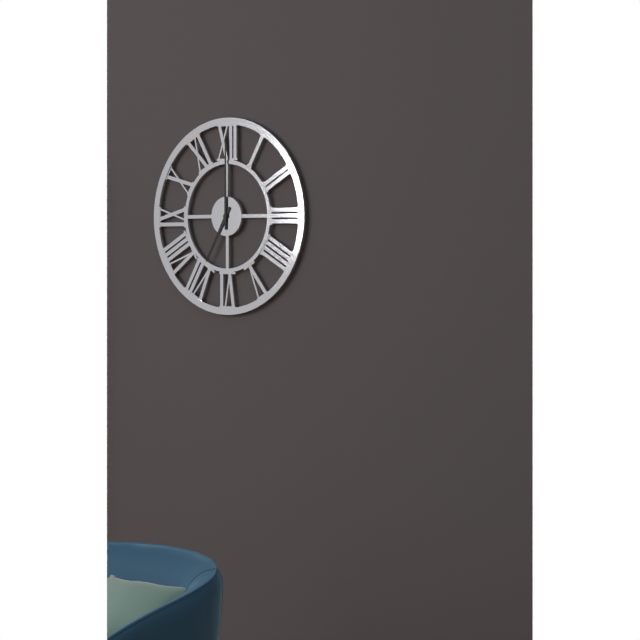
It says h=7 m=0
